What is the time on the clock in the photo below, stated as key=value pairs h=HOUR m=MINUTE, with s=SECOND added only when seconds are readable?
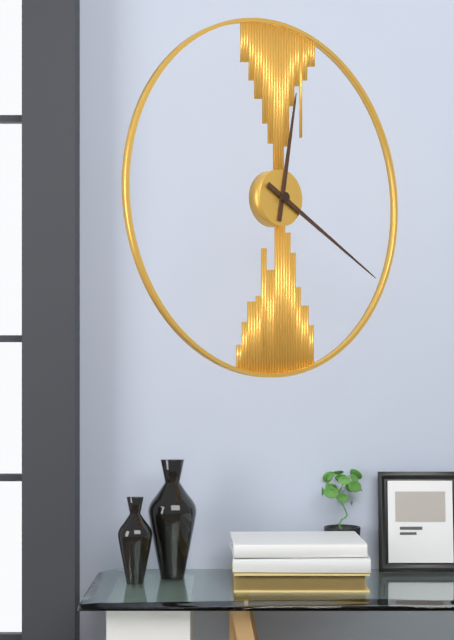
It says h=12 m=20
